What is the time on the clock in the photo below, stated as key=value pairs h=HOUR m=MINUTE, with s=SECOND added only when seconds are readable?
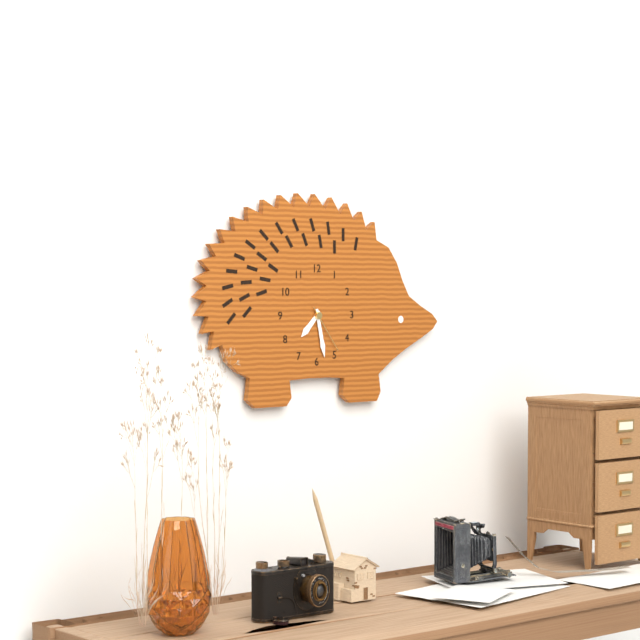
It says h=7 m=28 s=24
